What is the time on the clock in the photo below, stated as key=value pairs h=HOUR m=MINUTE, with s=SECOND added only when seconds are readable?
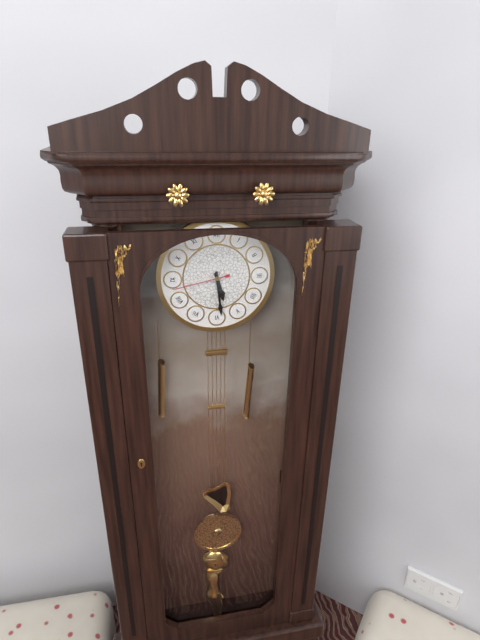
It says h=5 m=29 s=43
